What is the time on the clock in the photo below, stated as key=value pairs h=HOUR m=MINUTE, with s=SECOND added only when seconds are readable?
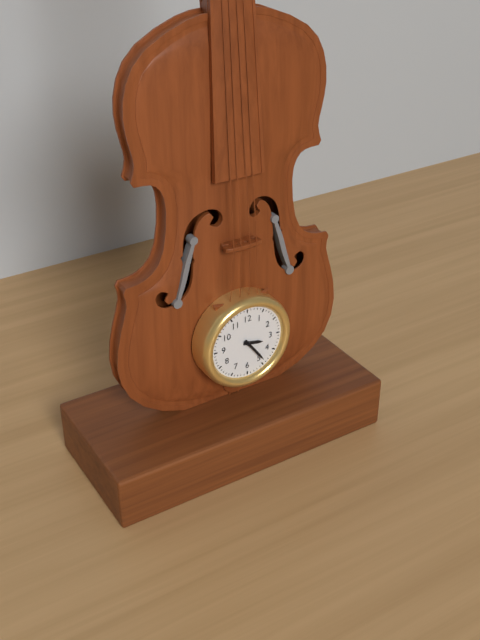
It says h=3 m=24
